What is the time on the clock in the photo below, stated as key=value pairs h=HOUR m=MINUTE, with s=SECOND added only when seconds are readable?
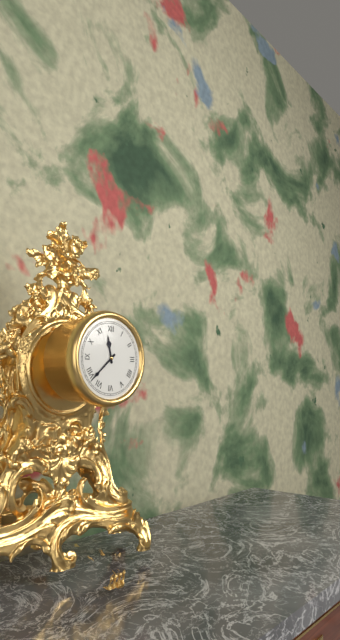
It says h=11 m=38
